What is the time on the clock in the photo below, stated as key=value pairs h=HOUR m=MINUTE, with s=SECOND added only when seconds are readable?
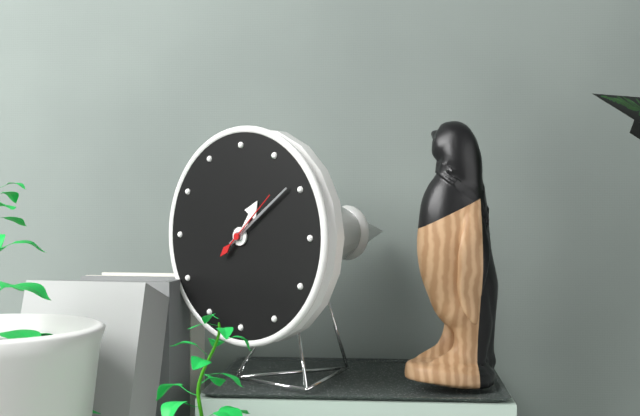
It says h=1 m=9 s=8
